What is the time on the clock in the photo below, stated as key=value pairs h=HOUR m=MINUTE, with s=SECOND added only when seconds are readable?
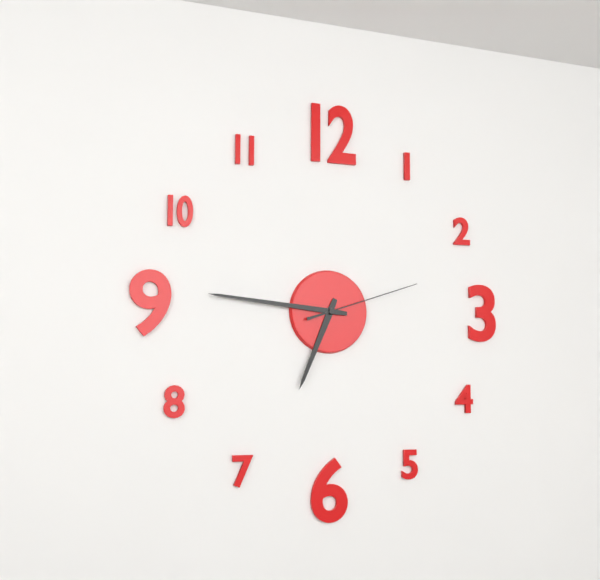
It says h=6 m=46 s=12
